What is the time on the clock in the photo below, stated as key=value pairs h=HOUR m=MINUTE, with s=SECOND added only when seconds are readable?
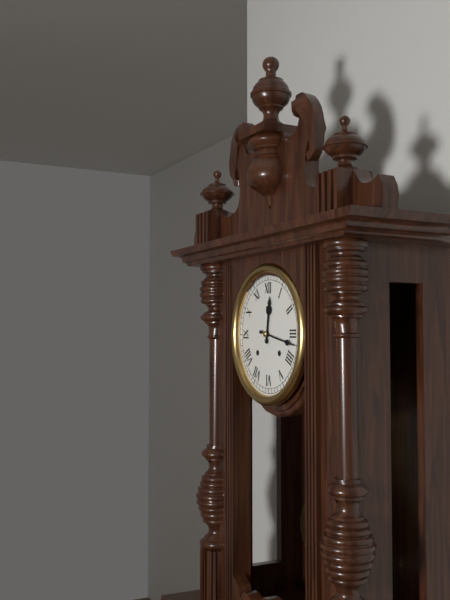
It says h=12 m=17
